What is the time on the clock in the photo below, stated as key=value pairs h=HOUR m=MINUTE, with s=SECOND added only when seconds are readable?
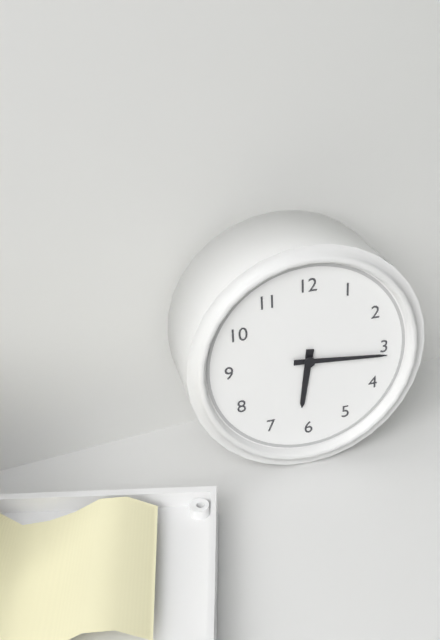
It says h=6 m=16
